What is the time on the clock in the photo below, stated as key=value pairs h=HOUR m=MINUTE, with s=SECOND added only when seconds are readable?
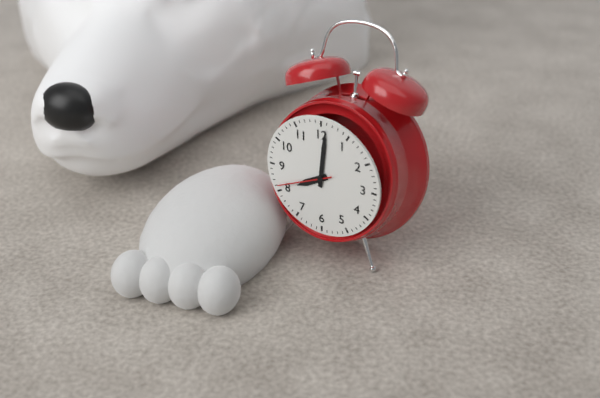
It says h=8 m=1 s=41
